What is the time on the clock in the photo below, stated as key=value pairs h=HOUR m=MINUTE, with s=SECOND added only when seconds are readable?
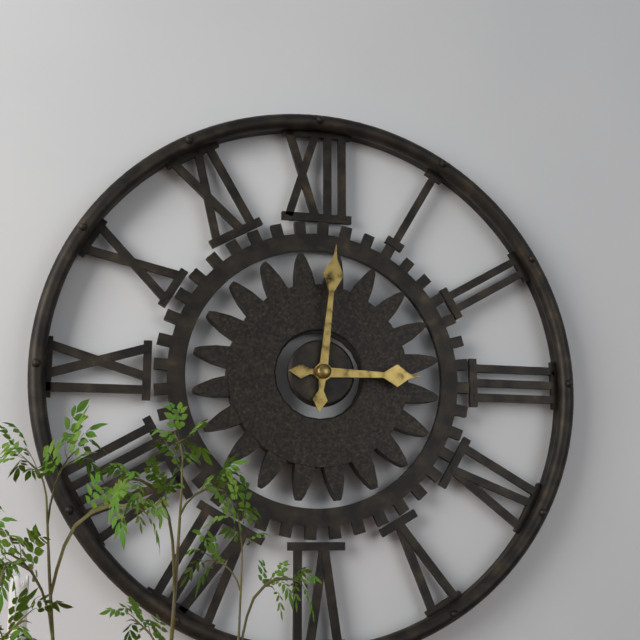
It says h=3 m=1
